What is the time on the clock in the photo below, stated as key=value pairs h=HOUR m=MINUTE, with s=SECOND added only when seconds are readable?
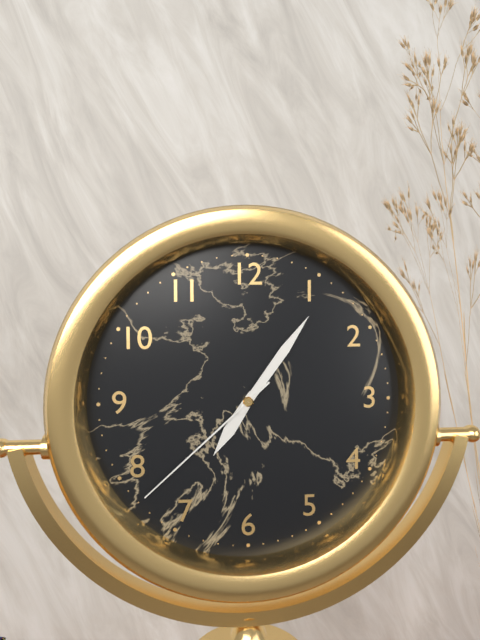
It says h=7 m=6 s=38
